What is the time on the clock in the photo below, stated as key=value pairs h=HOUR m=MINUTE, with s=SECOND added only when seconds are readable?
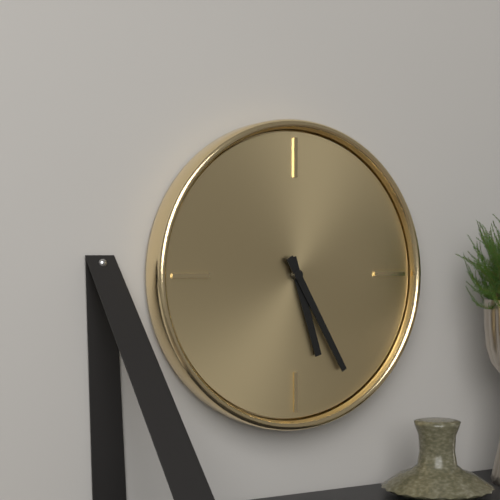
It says h=5 m=25
